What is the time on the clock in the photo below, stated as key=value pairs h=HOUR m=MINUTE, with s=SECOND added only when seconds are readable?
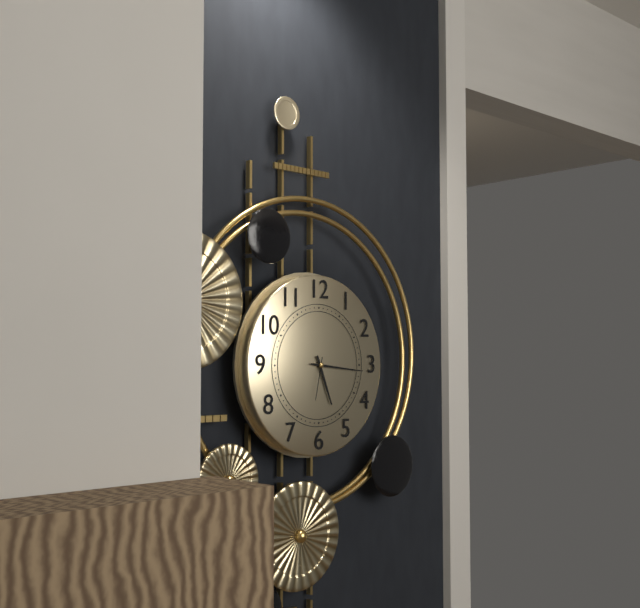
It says h=5 m=16
